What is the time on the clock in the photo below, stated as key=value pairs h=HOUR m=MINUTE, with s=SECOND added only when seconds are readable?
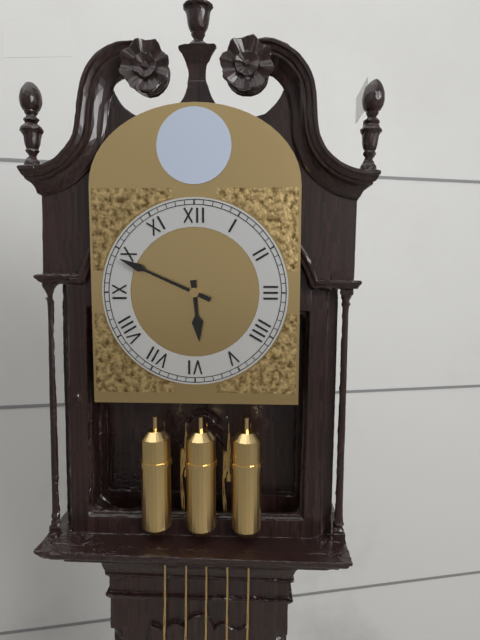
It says h=5 m=49
